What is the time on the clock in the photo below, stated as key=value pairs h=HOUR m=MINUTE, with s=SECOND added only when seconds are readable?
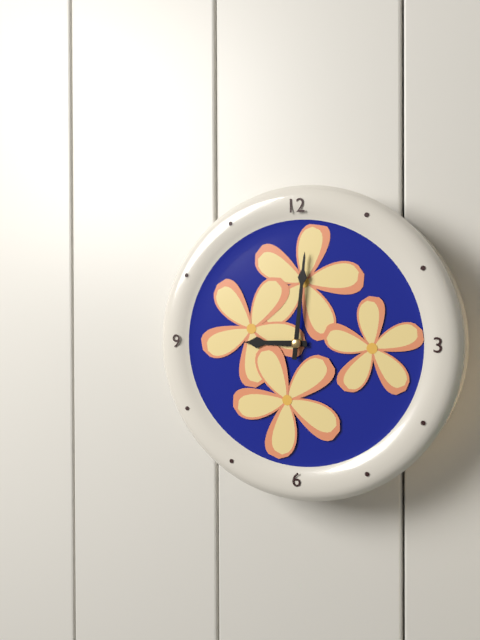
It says h=9 m=1
